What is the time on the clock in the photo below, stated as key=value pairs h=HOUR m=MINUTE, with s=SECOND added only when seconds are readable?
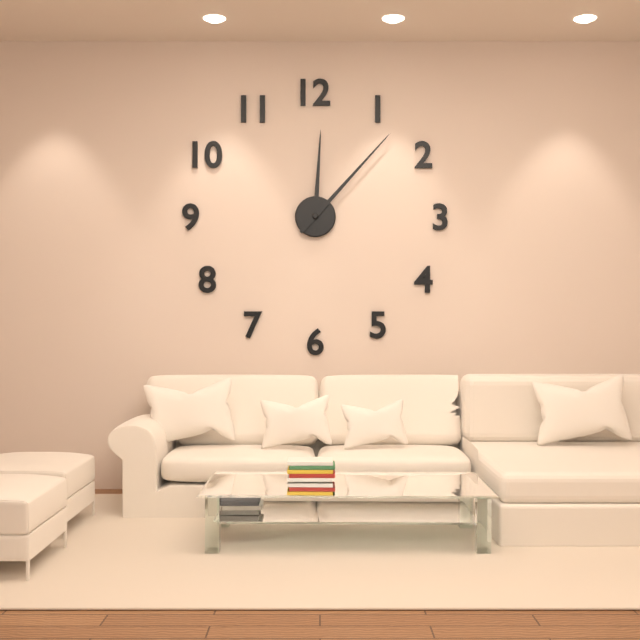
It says h=12 m=7
